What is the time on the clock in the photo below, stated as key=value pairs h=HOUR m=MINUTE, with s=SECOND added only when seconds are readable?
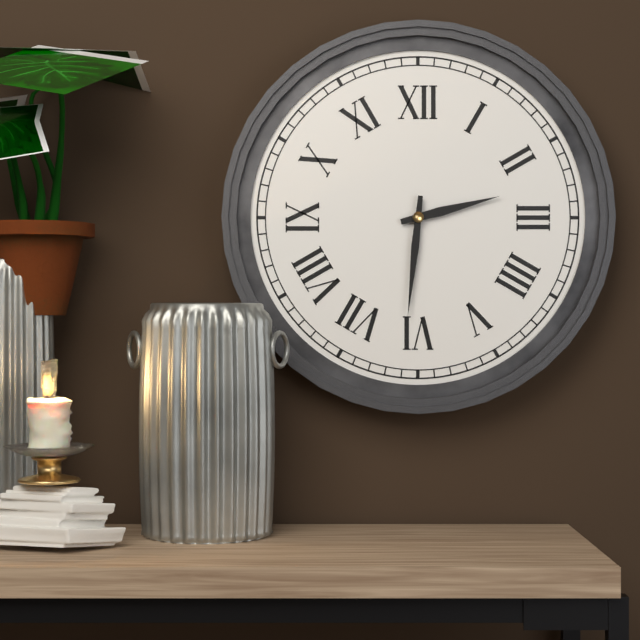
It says h=2 m=31
